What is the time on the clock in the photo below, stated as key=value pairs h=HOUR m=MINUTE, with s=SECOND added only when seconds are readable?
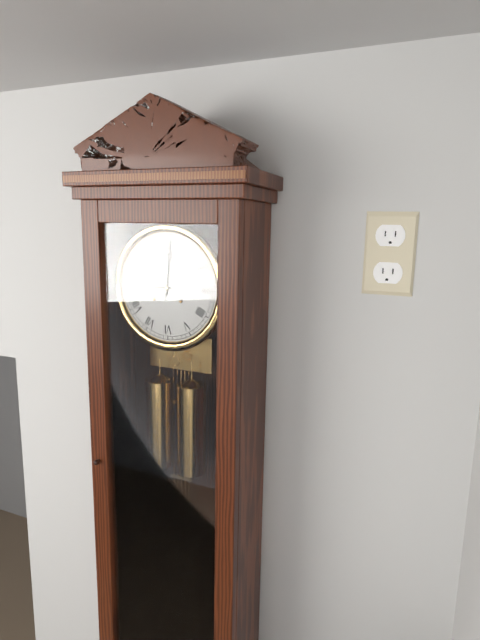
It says h=9 m=1
